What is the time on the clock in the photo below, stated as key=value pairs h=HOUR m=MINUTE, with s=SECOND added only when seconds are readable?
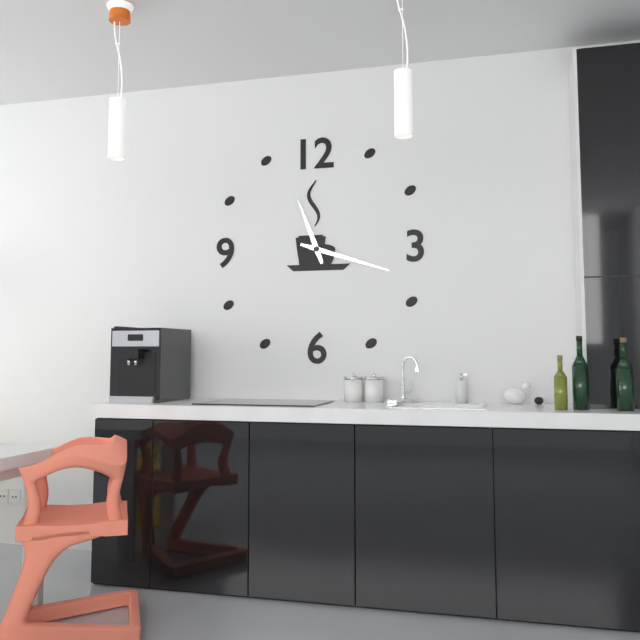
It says h=11 m=18
